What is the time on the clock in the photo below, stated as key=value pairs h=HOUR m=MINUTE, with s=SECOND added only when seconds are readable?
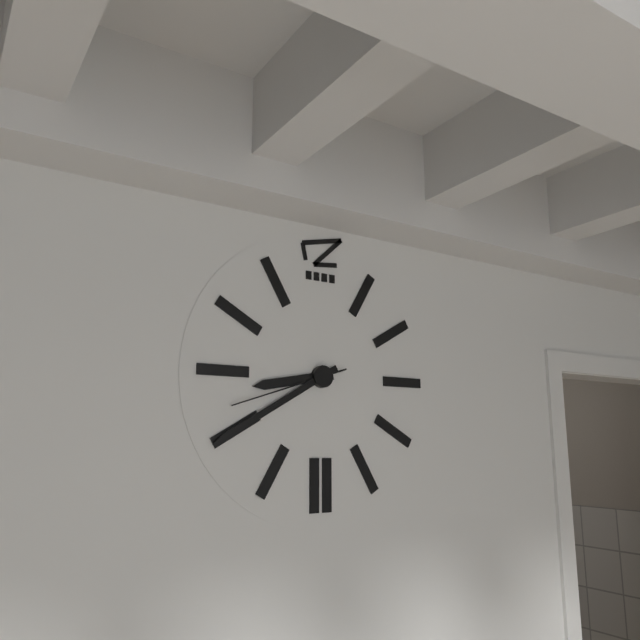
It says h=8 m=40 s=42
